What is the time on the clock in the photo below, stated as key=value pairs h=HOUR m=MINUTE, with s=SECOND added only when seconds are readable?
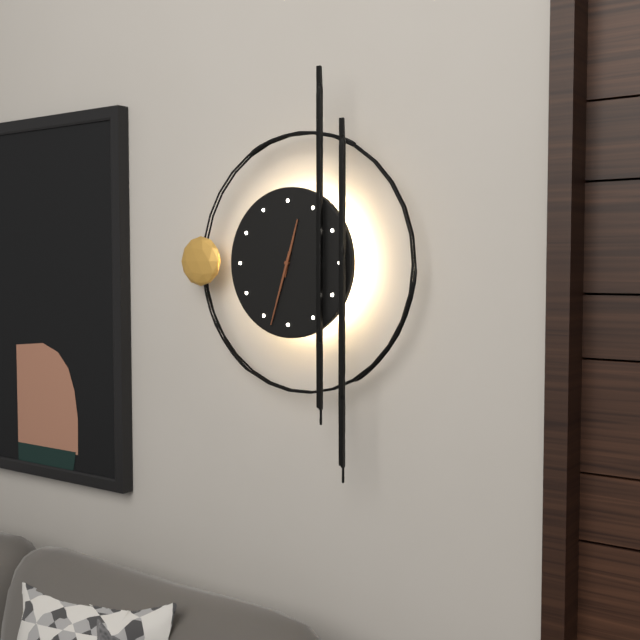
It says h=12 m=33
